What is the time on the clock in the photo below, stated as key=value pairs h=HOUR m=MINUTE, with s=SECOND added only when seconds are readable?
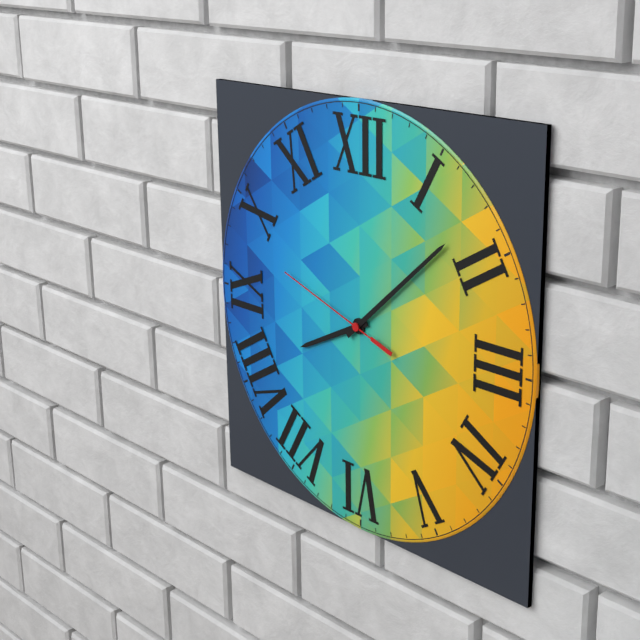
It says h=8 m=8 s=48
